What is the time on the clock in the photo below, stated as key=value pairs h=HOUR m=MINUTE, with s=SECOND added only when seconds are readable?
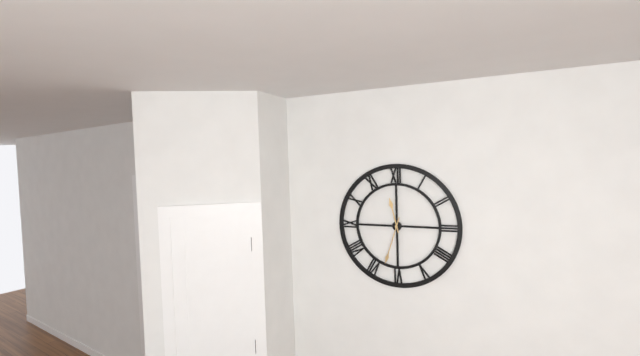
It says h=11 m=33
